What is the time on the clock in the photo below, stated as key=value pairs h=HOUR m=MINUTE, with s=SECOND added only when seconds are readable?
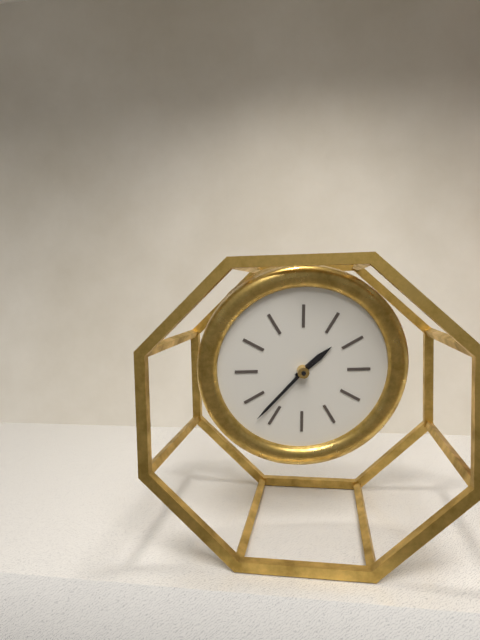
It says h=1 m=37
